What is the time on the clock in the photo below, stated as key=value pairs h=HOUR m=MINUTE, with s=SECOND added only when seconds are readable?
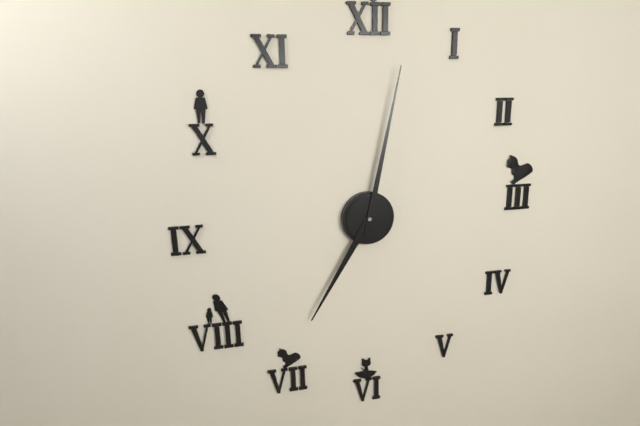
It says h=7 m=2
